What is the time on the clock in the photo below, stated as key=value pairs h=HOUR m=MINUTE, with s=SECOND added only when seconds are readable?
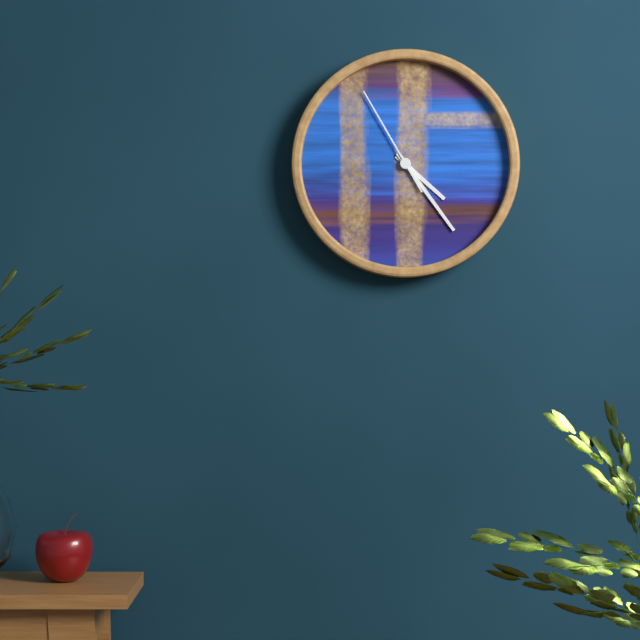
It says h=4 m=24 s=55
